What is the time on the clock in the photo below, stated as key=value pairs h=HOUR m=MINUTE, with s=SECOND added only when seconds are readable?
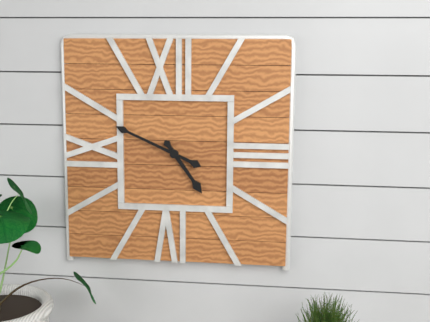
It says h=4 m=49
